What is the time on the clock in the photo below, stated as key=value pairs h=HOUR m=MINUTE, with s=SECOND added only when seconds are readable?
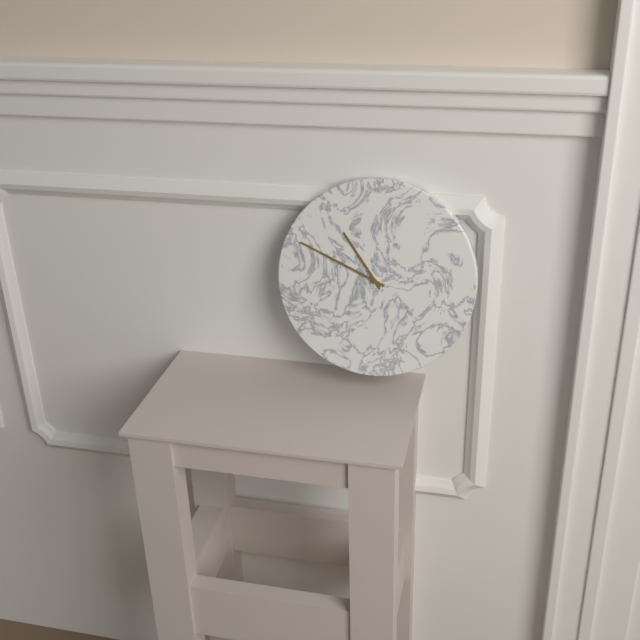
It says h=10 m=49
